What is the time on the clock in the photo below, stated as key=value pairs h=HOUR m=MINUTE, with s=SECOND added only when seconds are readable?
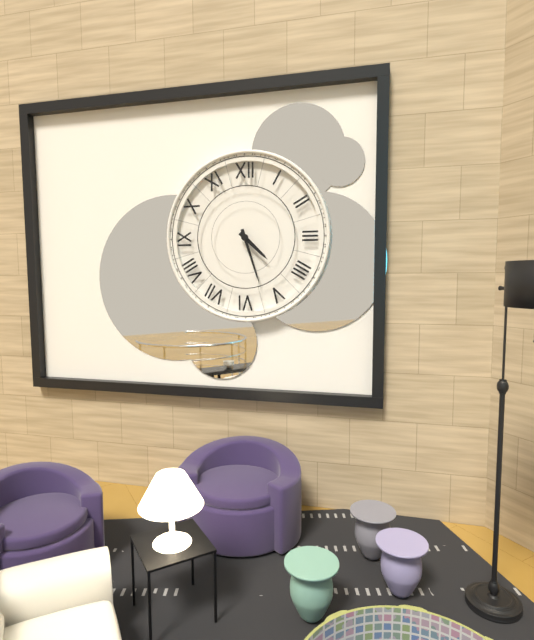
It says h=4 m=27
